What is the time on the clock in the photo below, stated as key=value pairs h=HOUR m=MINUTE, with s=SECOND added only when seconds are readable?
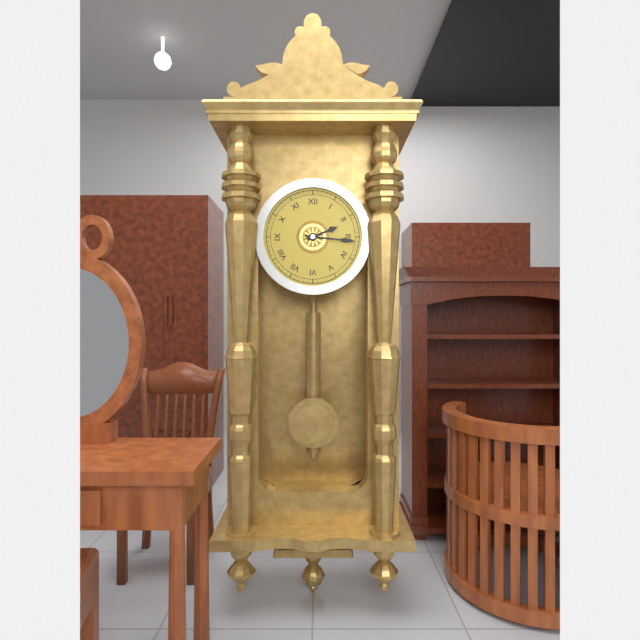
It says h=2 m=16
